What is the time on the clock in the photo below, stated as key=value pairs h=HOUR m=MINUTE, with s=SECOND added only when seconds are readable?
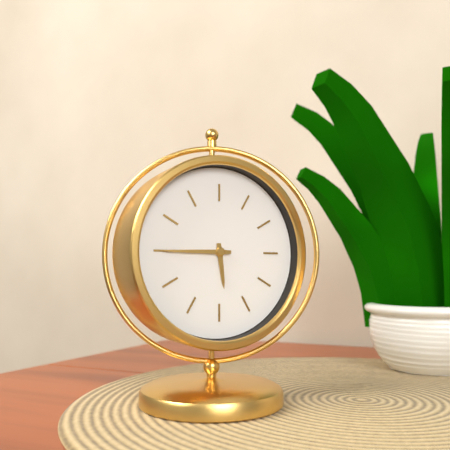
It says h=5 m=45
